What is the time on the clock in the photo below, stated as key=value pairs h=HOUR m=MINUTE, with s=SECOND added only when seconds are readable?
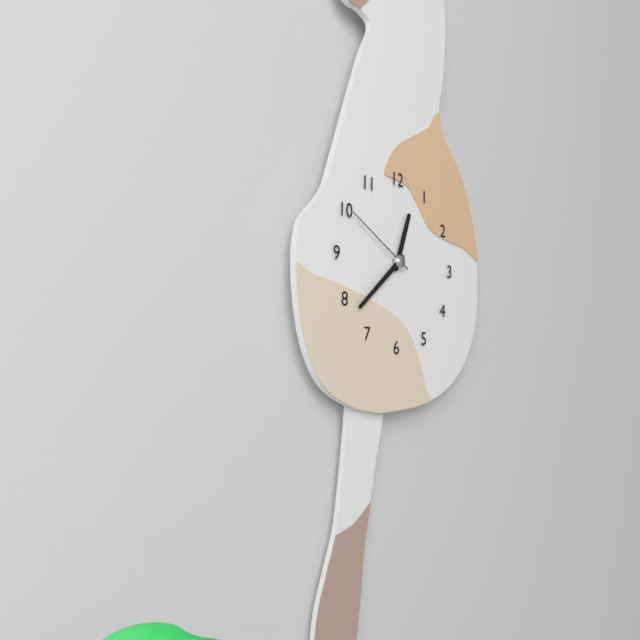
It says h=12 m=38 s=50
